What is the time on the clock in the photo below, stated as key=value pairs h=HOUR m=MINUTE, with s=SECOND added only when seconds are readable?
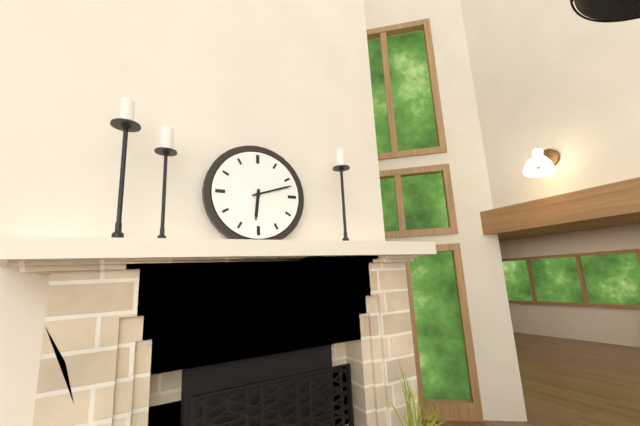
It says h=6 m=12
